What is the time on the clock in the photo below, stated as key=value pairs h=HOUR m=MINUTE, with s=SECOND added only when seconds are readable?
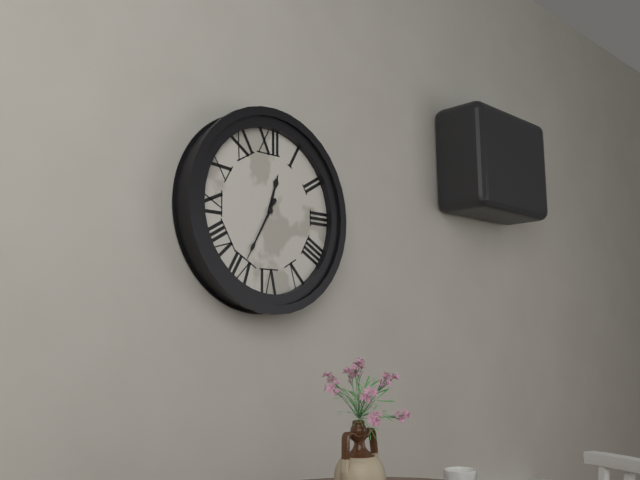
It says h=12 m=35
